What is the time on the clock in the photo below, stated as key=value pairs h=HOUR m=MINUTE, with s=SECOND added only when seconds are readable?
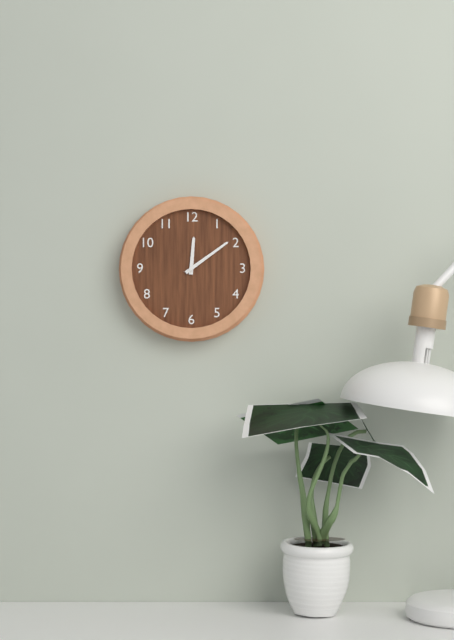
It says h=12 m=9
